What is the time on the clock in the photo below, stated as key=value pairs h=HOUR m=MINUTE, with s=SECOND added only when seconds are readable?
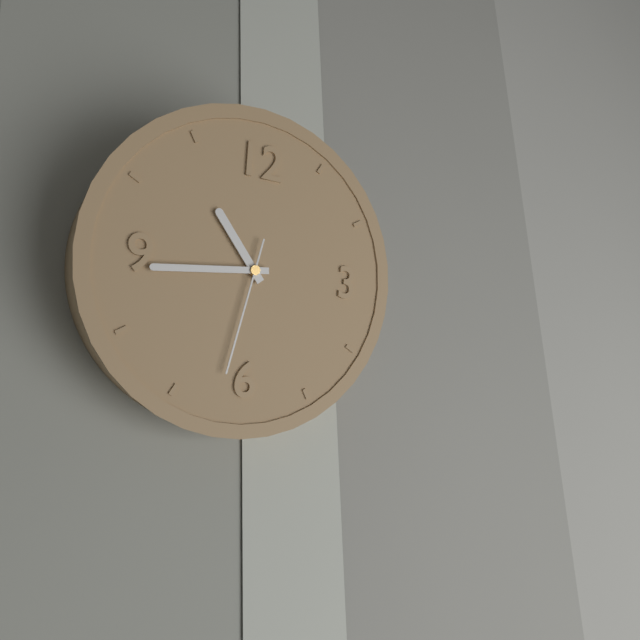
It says h=10 m=44 s=32
